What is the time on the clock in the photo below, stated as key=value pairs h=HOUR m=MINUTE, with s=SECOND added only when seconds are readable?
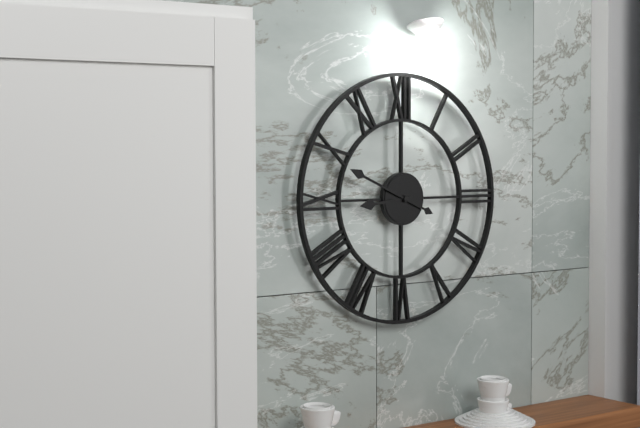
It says h=8 m=49
